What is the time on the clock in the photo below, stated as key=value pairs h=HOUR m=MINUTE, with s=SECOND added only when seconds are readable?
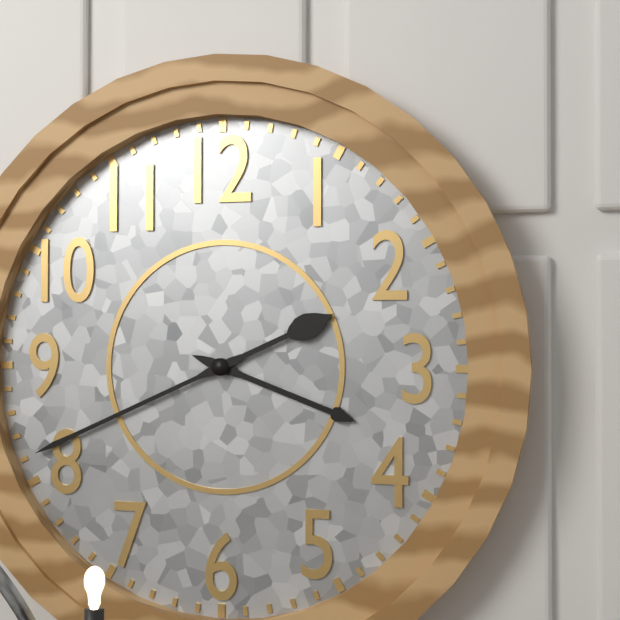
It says h=3 m=41
